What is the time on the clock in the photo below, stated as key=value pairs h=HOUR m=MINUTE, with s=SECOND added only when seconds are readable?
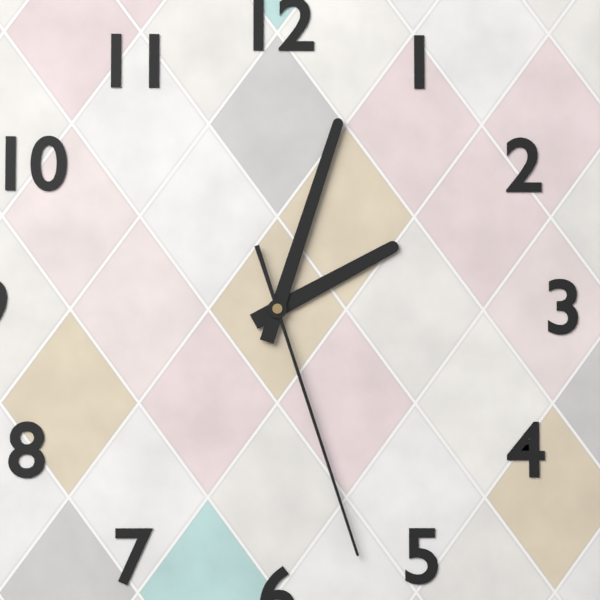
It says h=2 m=3 s=27
